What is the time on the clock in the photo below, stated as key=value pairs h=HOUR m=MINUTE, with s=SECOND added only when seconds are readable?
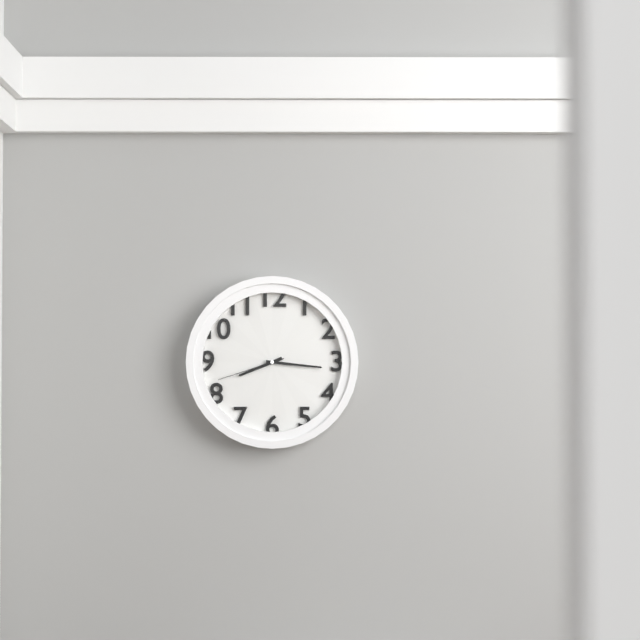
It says h=8 m=16 s=42
